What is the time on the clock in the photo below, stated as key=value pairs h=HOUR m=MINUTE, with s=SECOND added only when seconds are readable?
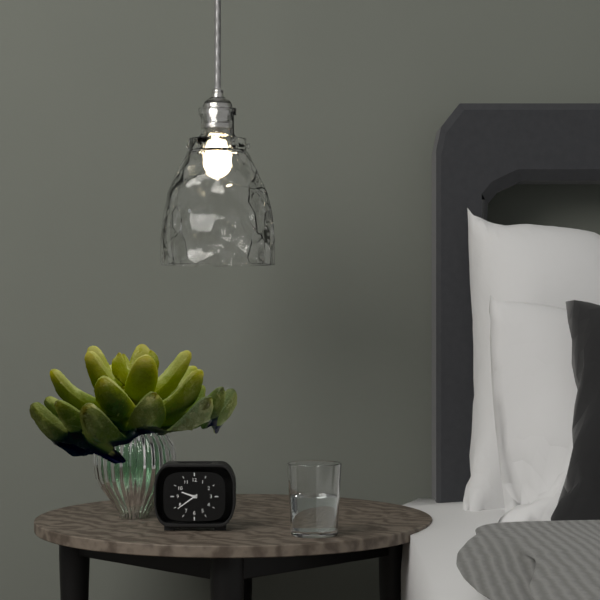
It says h=9 m=39
